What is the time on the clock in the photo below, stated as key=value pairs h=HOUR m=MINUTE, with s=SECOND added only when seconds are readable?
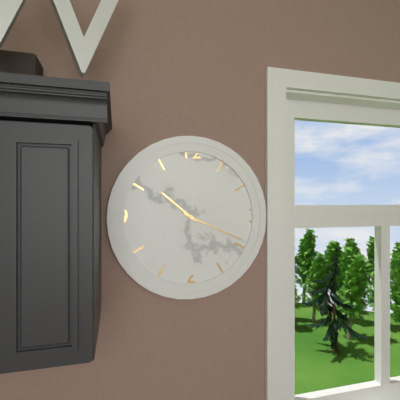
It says h=10 m=19
